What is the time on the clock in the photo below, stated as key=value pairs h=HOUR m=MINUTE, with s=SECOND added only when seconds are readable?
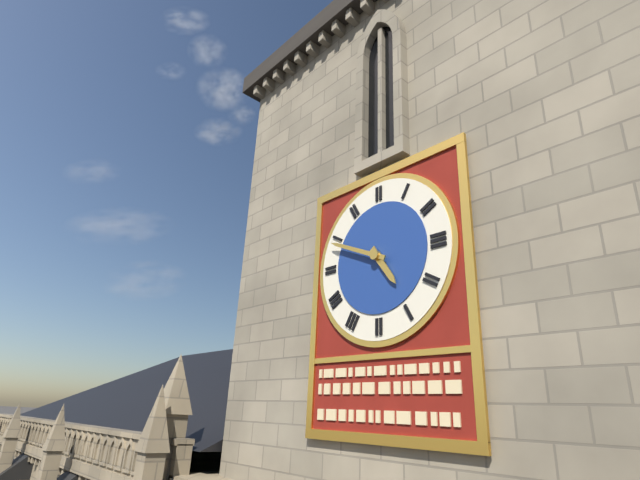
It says h=4 m=49
